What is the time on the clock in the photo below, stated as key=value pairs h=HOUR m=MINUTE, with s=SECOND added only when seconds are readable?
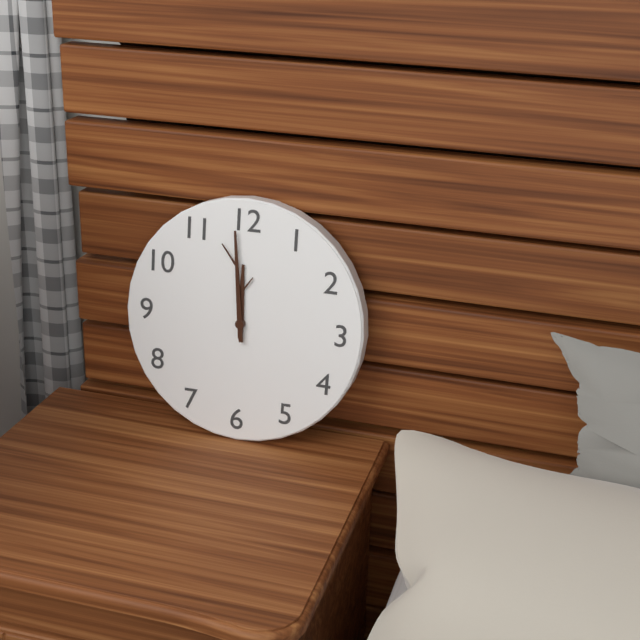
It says h=11 m=59
